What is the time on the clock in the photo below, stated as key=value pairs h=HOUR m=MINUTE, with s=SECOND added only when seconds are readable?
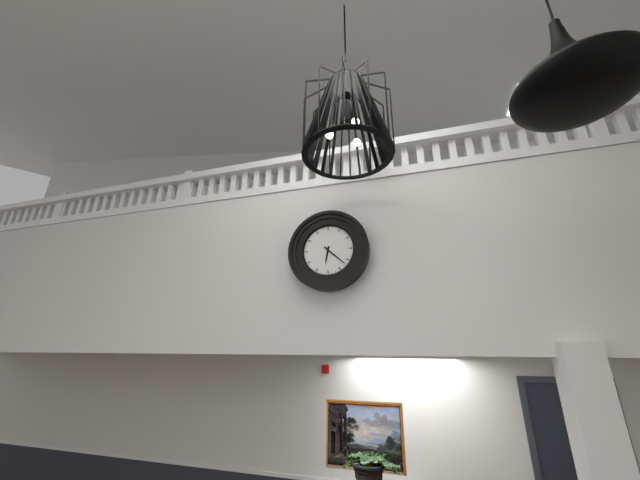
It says h=6 m=22
